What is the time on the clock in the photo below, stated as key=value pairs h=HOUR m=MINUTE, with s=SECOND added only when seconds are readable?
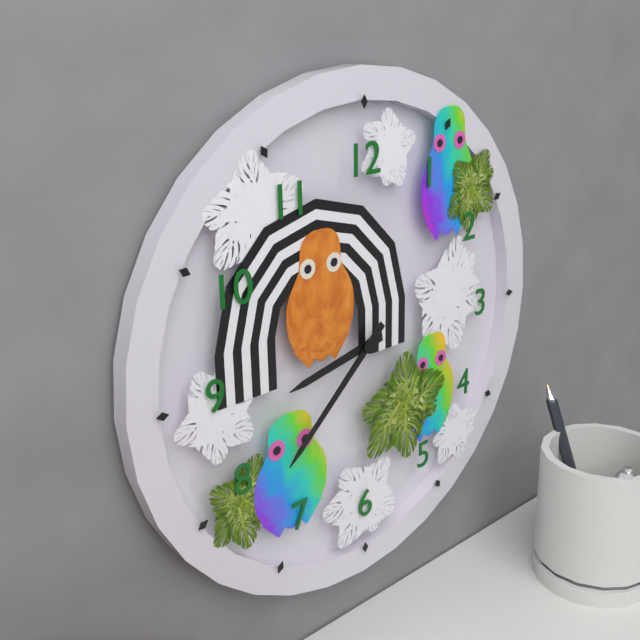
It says h=8 m=38
